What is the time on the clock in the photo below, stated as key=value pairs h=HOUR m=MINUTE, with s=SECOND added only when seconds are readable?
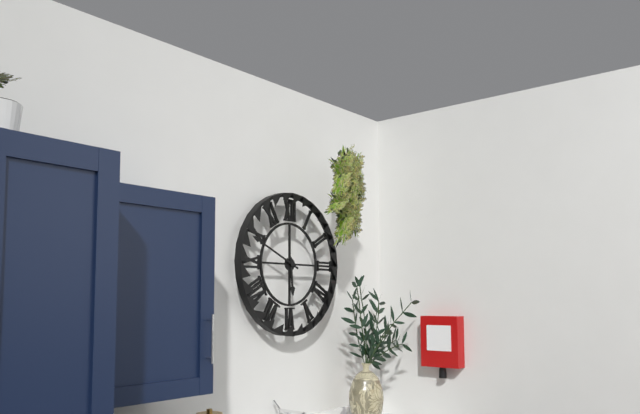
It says h=5 m=49
